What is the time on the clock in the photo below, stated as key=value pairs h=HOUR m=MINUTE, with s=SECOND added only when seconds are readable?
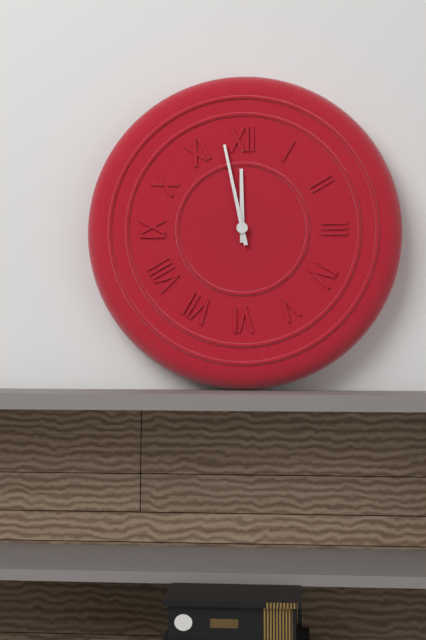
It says h=11 m=58
